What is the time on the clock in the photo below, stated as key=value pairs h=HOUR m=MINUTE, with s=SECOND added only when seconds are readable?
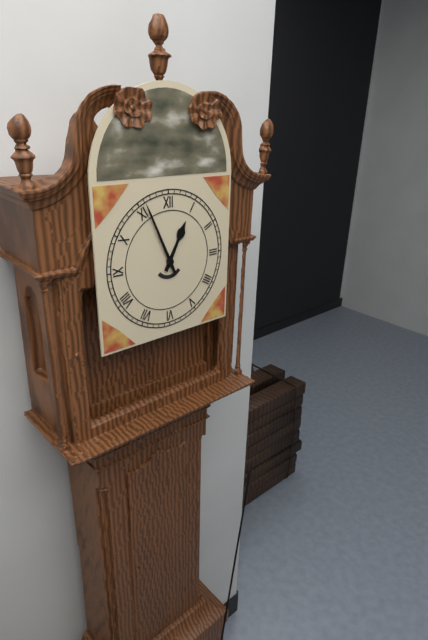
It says h=12 m=56
